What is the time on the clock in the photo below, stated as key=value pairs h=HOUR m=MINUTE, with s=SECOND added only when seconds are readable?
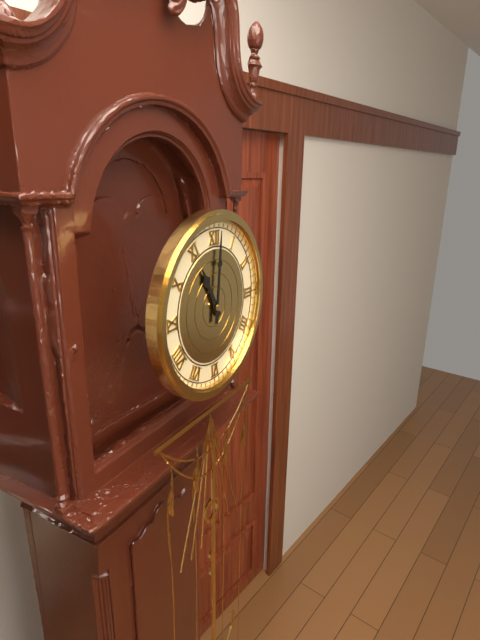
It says h=11 m=1
